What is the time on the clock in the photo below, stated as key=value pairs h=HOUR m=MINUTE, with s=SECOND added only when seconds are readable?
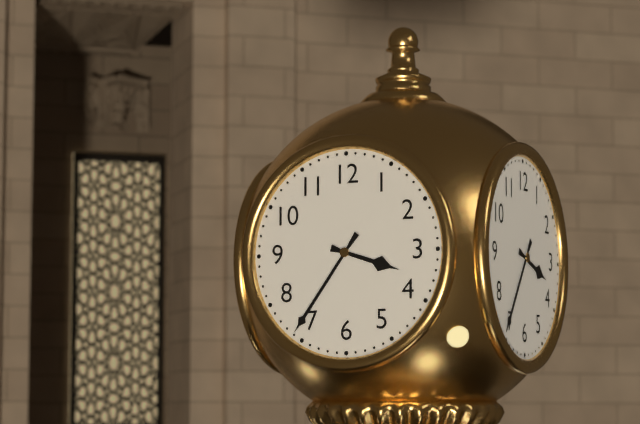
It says h=3 m=36
